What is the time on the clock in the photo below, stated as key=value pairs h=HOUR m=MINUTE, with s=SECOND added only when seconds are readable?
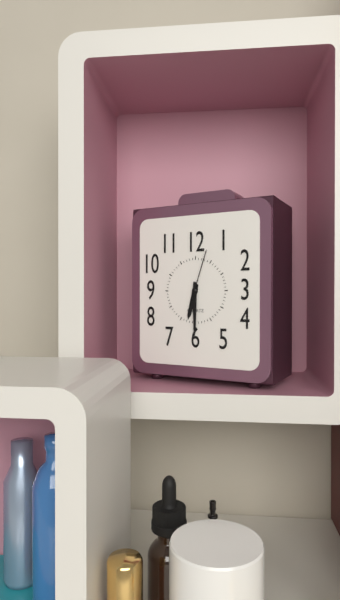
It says h=6 m=30 s=3
